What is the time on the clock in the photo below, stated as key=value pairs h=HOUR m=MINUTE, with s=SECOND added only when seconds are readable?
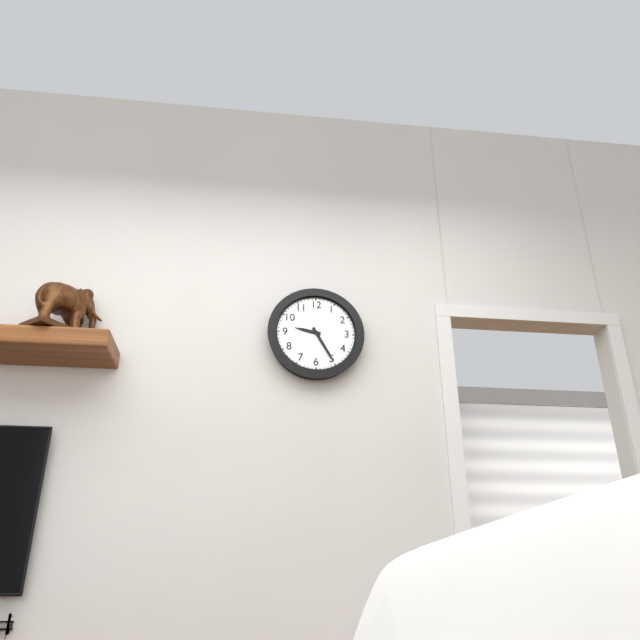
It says h=9 m=25
